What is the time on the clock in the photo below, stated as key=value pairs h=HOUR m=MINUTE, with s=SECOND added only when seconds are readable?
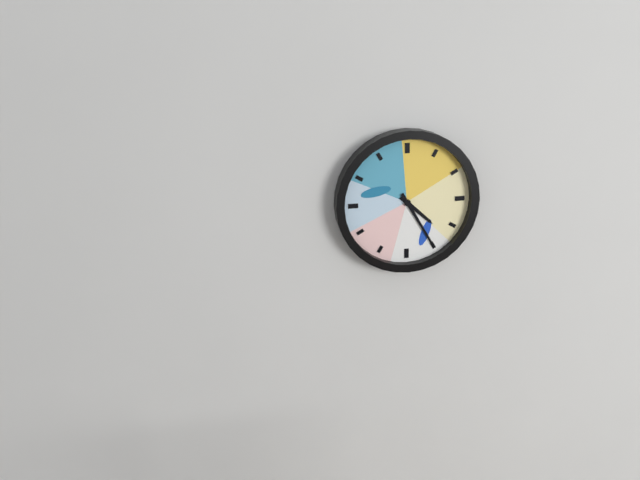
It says h=4 m=25
